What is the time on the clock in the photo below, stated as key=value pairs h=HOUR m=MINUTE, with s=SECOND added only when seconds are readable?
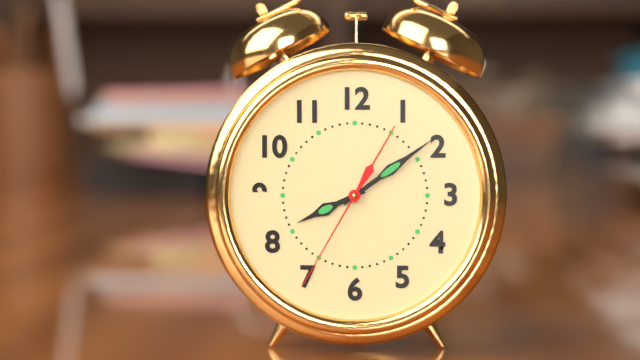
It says h=8 m=9 s=35
